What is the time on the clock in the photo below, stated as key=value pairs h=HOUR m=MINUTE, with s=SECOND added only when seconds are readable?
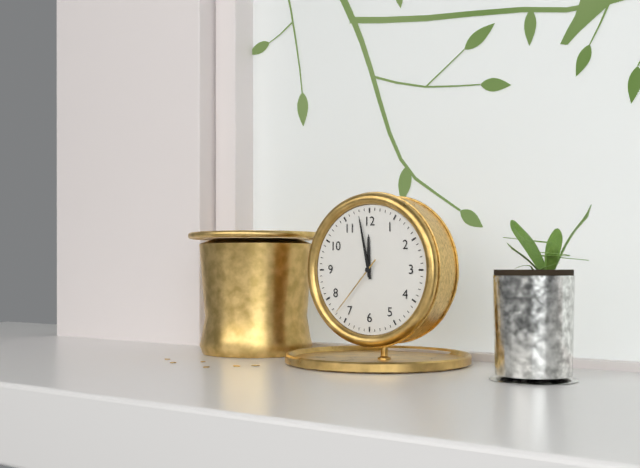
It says h=11 m=58 s=37
